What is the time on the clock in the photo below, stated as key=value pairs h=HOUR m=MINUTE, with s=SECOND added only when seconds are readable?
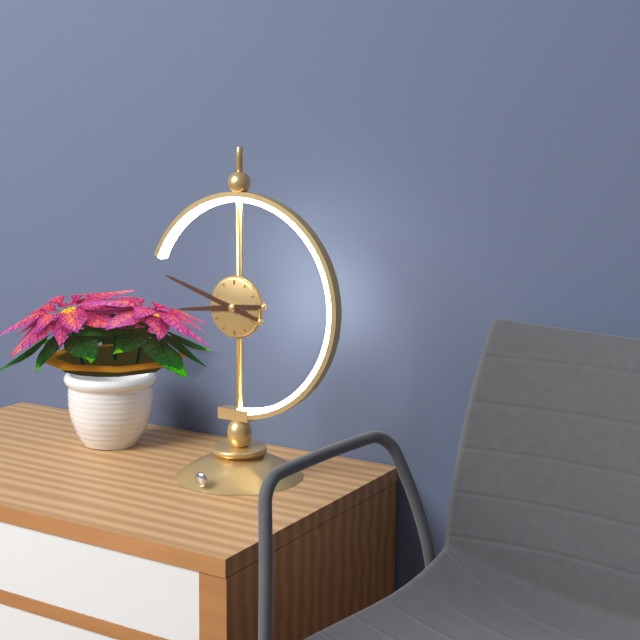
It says h=8 m=48
